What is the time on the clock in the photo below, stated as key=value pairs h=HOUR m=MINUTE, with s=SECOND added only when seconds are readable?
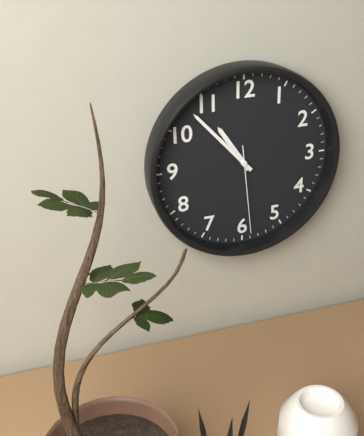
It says h=10 m=53 s=29
